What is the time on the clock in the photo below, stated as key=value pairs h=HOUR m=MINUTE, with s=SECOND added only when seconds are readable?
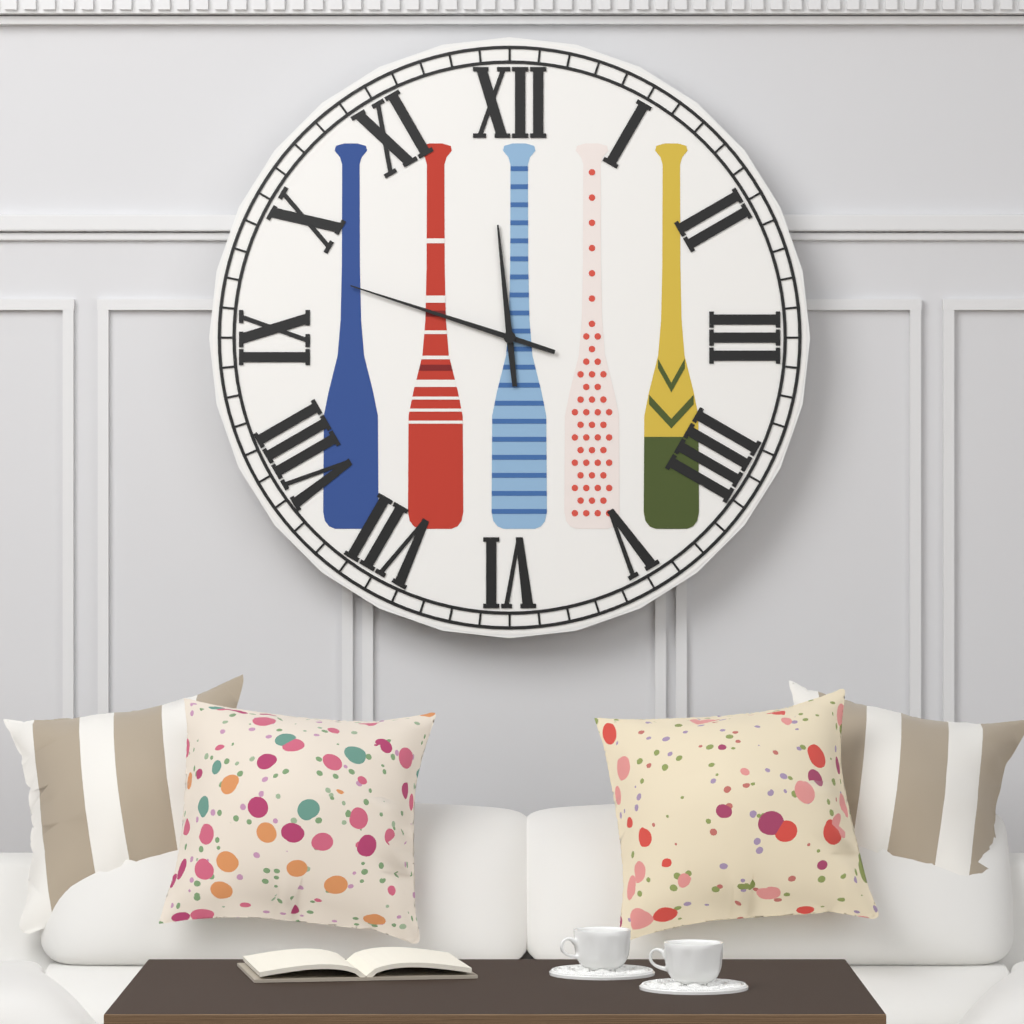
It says h=11 m=48
